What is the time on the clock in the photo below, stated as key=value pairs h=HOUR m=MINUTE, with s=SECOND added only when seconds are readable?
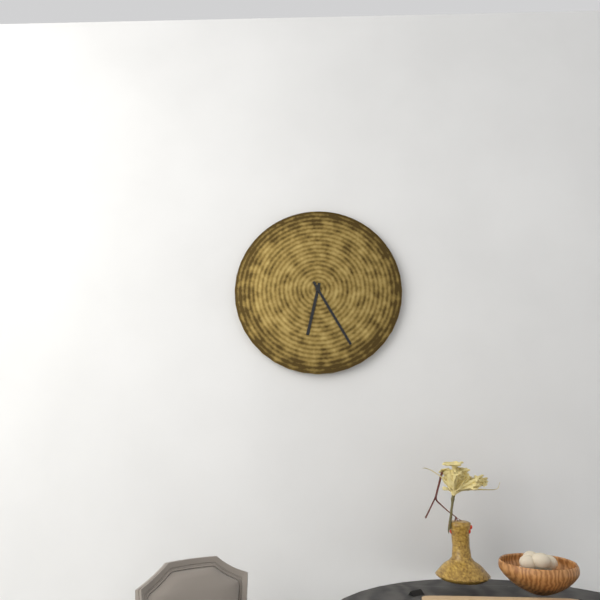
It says h=6 m=25
